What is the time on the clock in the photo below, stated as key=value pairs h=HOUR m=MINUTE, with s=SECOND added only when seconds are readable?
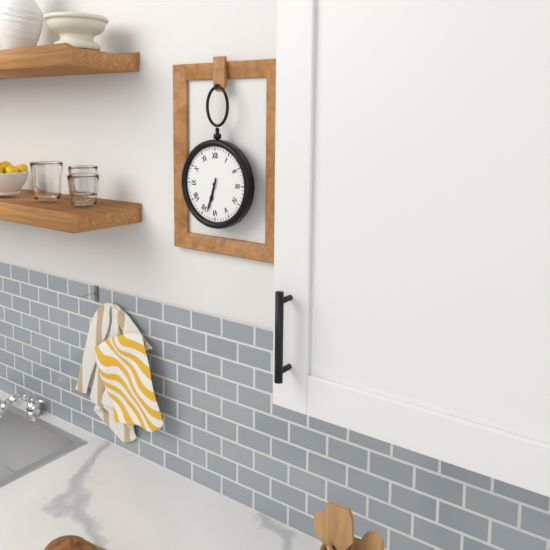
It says h=6 m=33
